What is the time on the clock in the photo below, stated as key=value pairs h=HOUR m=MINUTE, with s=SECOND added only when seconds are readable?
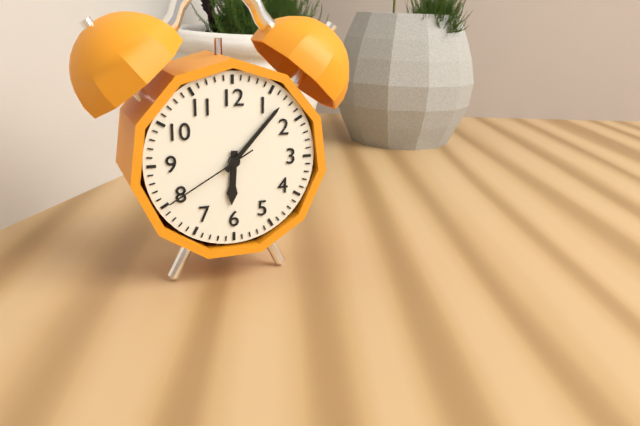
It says h=6 m=7 s=40
